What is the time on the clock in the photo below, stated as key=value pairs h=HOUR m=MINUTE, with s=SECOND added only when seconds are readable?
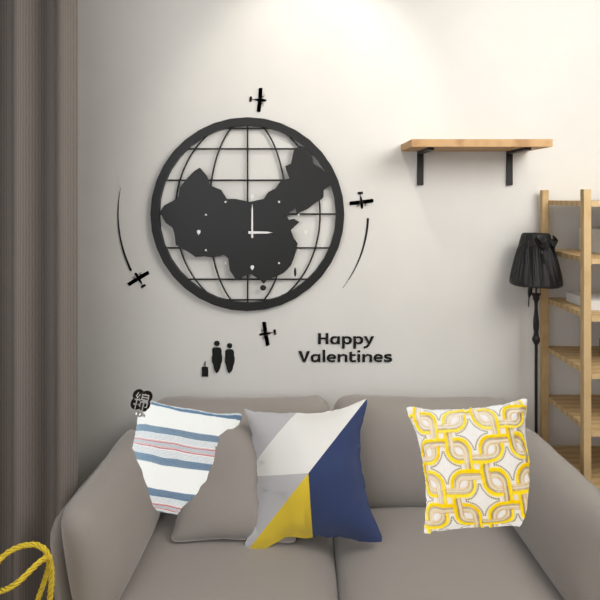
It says h=3 m=0
